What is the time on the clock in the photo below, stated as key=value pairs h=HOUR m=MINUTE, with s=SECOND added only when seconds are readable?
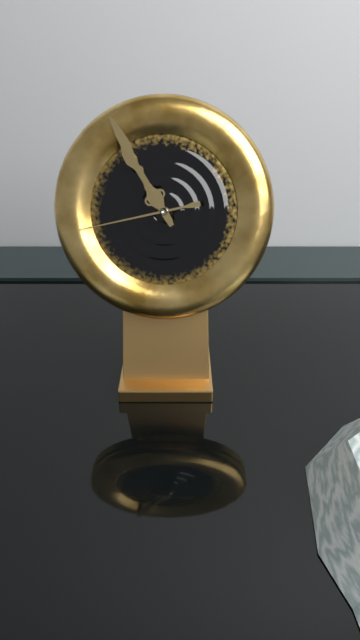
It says h=10 m=55 s=43
